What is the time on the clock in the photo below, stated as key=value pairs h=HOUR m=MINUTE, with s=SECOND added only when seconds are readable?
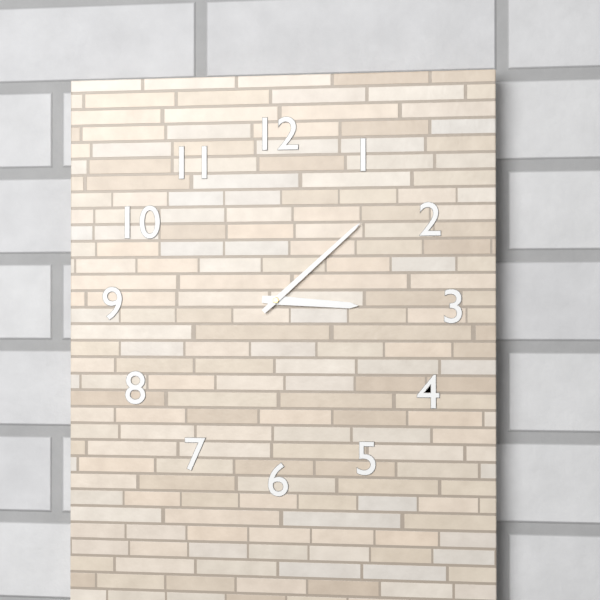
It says h=3 m=8
